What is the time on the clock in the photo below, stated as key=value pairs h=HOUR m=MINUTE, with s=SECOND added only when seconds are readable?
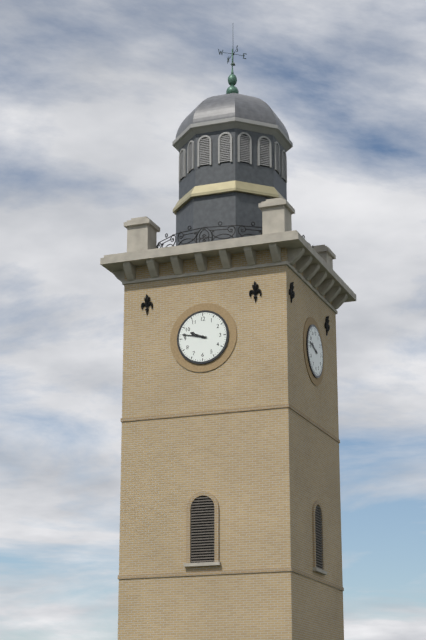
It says h=9 m=47
